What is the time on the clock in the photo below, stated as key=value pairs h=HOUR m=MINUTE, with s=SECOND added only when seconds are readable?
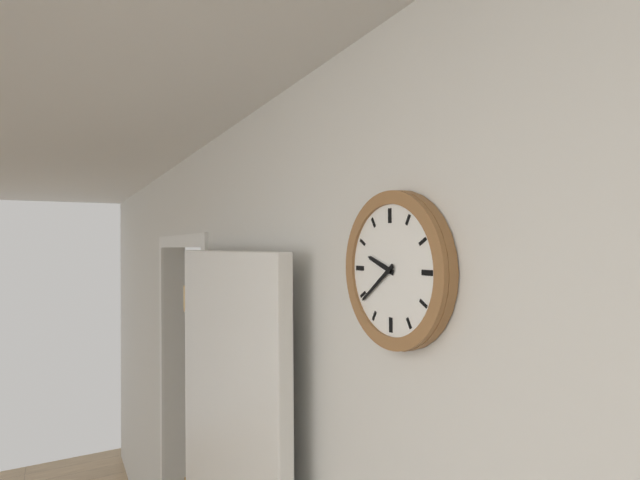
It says h=9 m=39
